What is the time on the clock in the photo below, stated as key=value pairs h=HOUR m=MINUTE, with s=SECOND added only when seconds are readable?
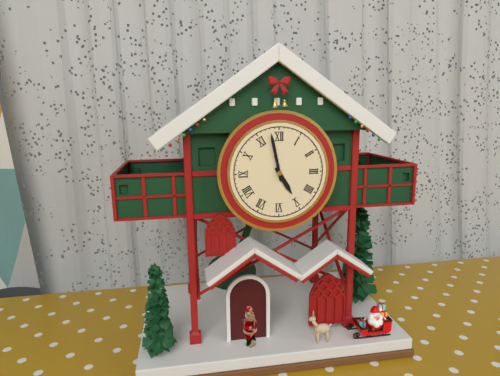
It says h=4 m=58
